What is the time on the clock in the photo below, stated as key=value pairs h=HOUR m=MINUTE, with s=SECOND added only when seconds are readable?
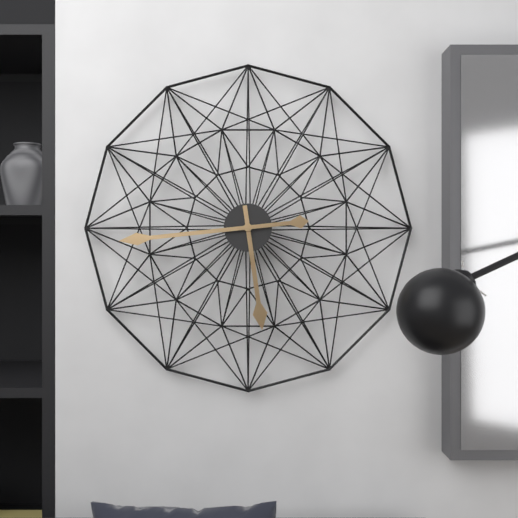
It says h=5 m=44
